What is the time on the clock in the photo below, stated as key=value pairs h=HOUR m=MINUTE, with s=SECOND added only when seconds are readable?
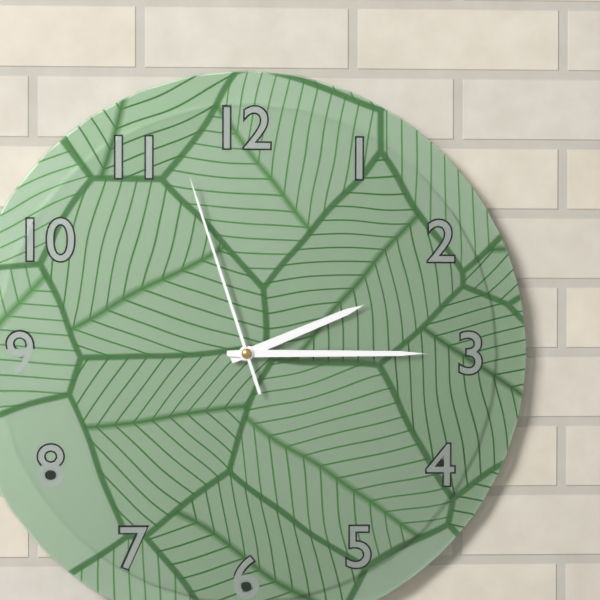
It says h=2 m=15 s=57
